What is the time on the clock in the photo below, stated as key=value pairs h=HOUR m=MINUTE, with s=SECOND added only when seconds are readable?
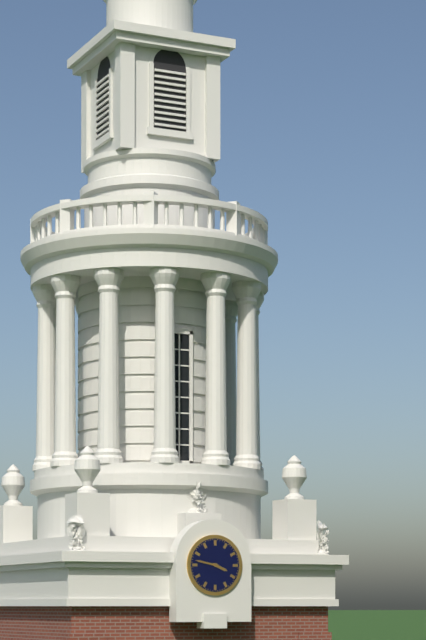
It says h=3 m=47
